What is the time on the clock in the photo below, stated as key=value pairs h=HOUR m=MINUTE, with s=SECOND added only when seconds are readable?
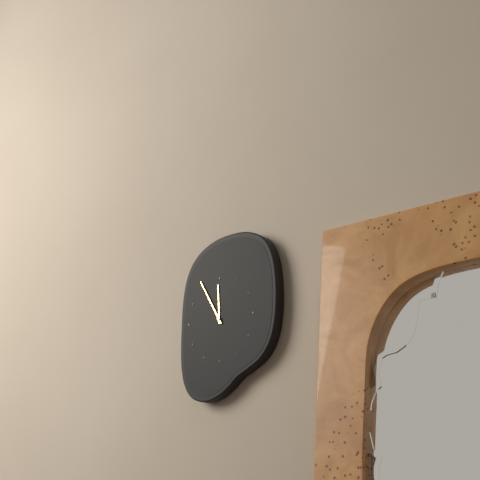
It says h=11 m=55
